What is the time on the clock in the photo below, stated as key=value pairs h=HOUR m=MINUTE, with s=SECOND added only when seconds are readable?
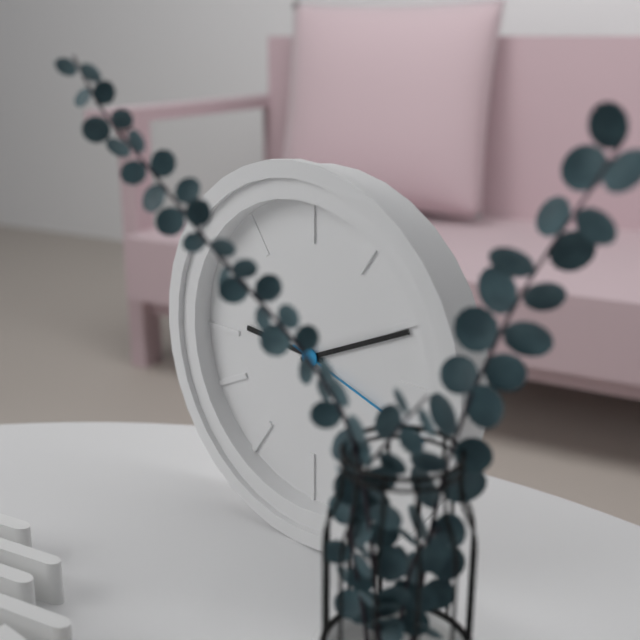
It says h=9 m=11
